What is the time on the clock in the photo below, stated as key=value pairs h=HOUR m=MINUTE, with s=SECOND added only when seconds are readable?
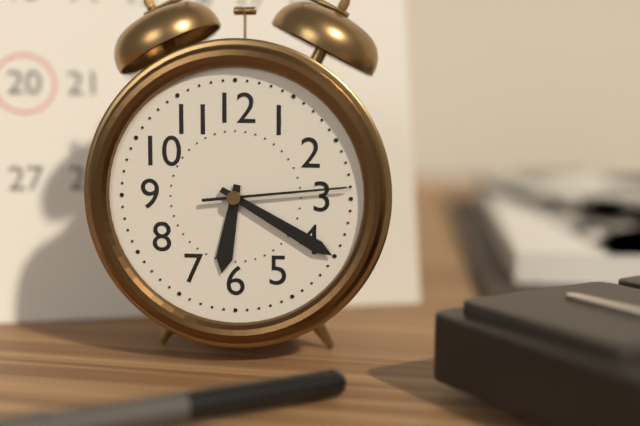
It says h=6 m=20 s=14
